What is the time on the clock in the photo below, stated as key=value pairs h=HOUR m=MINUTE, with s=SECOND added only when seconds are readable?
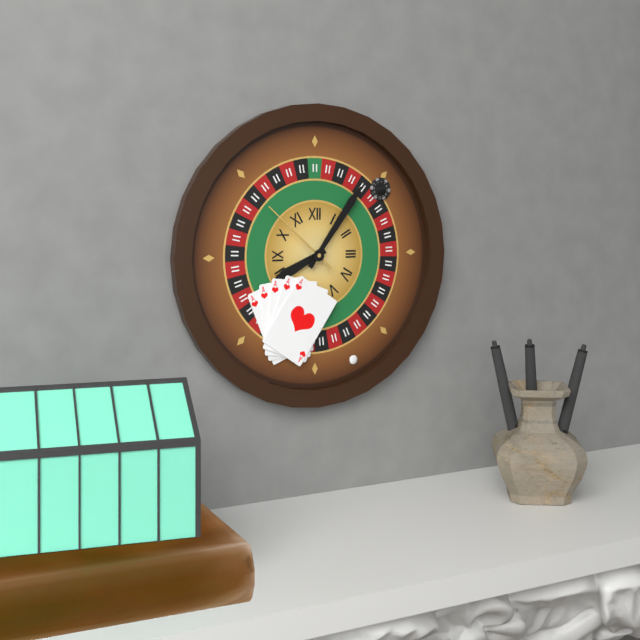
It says h=8 m=6 s=52
